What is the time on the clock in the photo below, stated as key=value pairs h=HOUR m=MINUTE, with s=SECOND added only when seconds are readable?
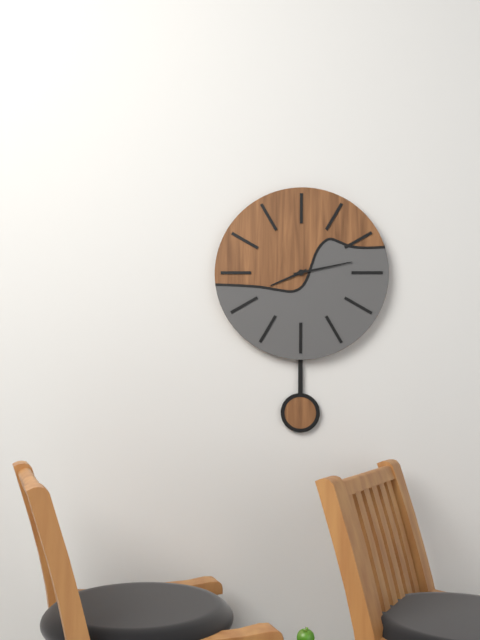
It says h=8 m=13
